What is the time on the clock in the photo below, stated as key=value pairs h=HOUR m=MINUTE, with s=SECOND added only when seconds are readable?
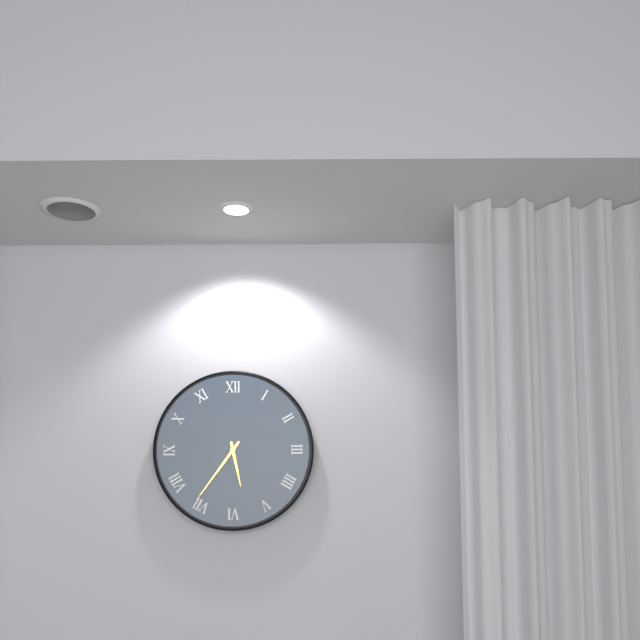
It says h=5 m=36
